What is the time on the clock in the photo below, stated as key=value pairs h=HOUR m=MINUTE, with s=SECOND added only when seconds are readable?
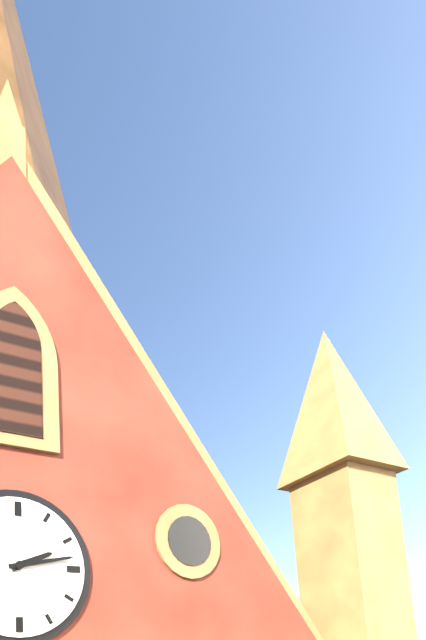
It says h=2 m=13
